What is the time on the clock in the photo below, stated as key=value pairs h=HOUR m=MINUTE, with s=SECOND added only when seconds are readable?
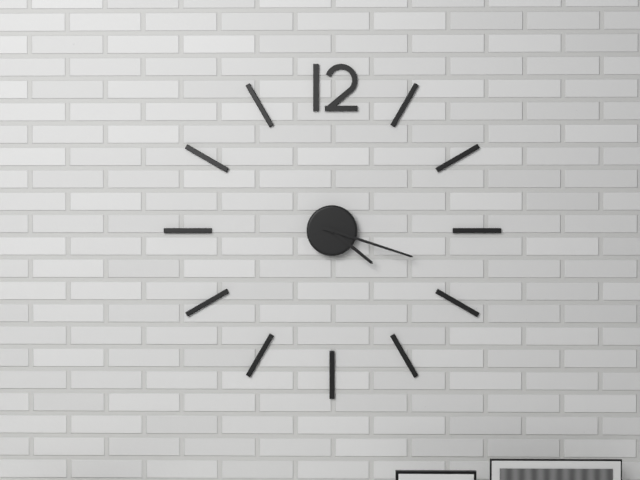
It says h=4 m=18
